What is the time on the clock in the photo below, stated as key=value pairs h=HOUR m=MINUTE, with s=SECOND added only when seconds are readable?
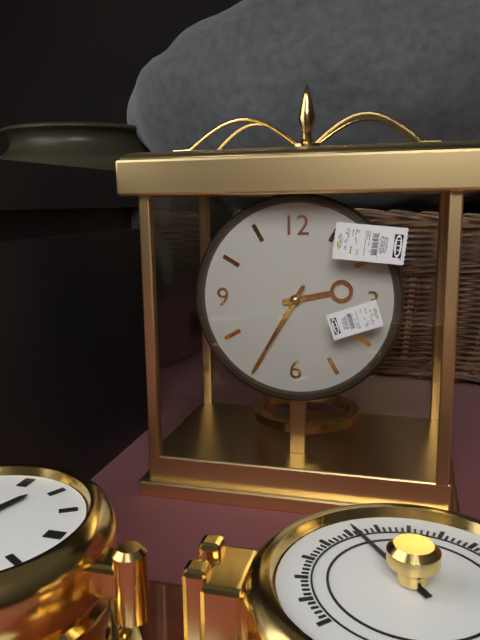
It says h=2 m=35
